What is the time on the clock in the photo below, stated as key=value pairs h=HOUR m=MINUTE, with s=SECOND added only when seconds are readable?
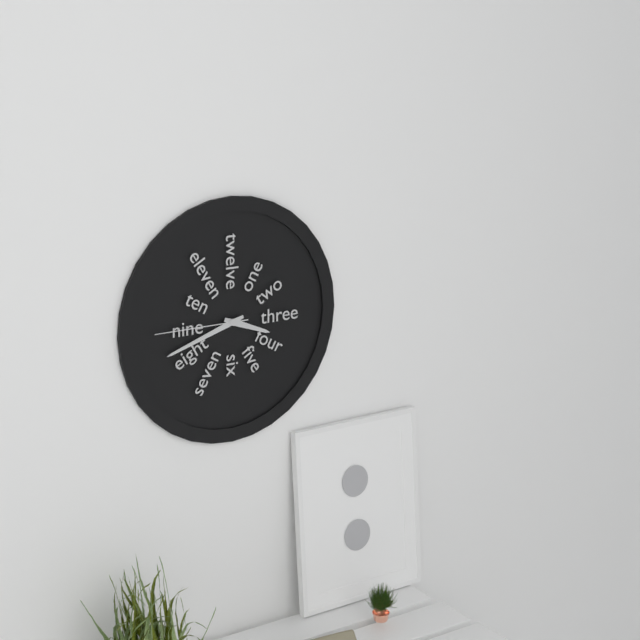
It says h=3 m=42 s=45
